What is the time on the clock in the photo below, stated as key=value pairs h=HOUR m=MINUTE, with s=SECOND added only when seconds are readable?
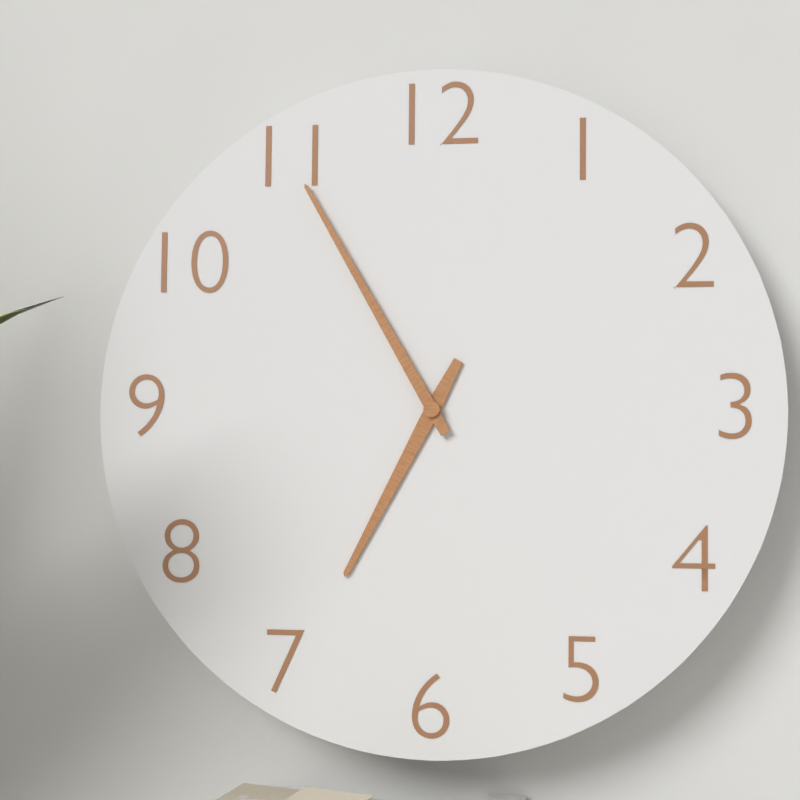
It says h=6 m=55
